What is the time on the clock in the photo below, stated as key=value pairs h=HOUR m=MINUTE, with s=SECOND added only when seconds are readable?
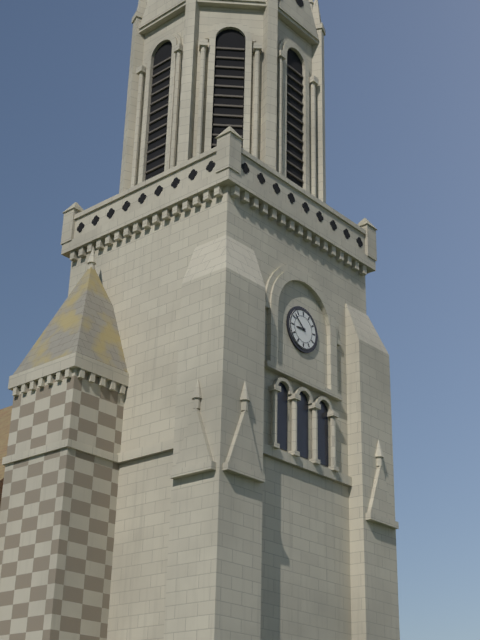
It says h=8 m=52
